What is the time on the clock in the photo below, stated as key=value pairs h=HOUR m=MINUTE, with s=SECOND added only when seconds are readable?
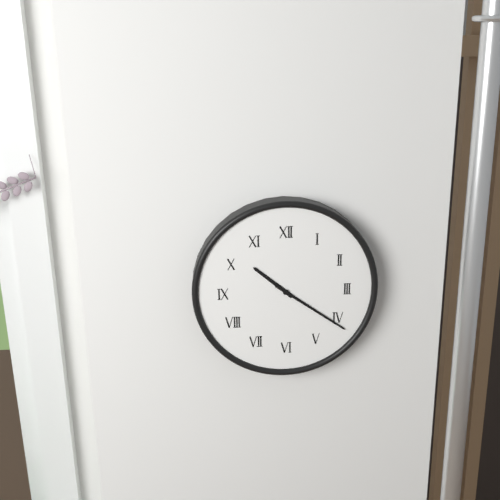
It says h=10 m=21
